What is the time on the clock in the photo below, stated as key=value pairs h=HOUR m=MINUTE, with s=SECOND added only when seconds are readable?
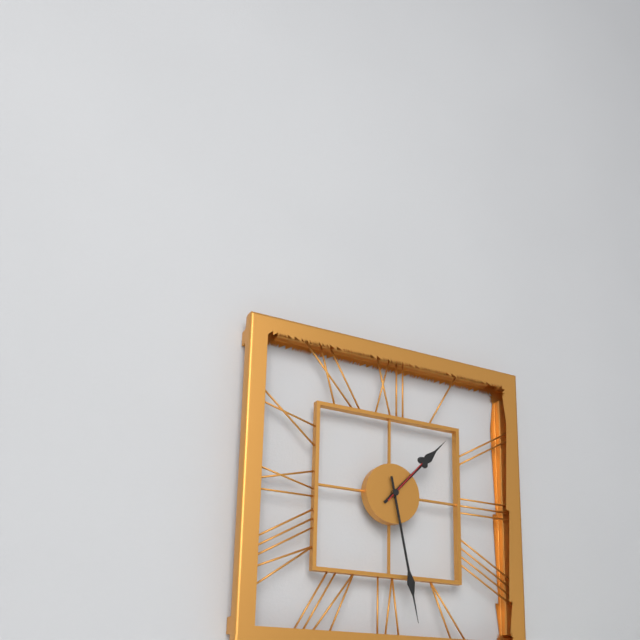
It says h=1 m=28 s=7
